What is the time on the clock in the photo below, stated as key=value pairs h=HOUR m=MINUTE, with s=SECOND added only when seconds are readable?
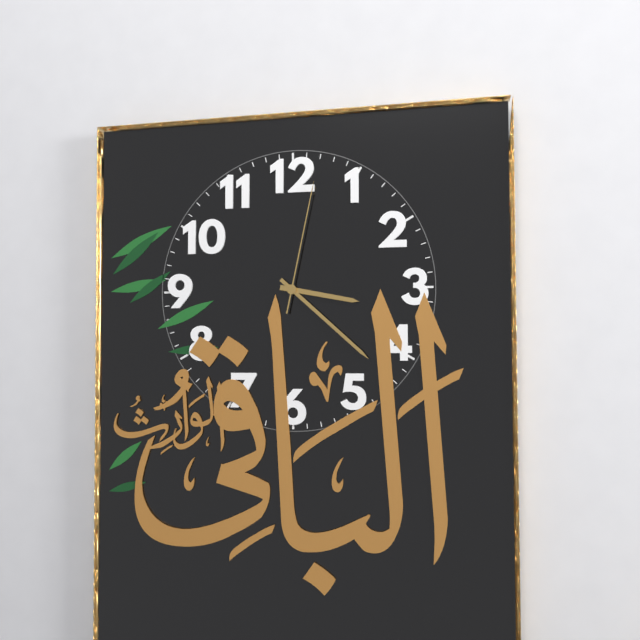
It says h=3 m=22 s=2
